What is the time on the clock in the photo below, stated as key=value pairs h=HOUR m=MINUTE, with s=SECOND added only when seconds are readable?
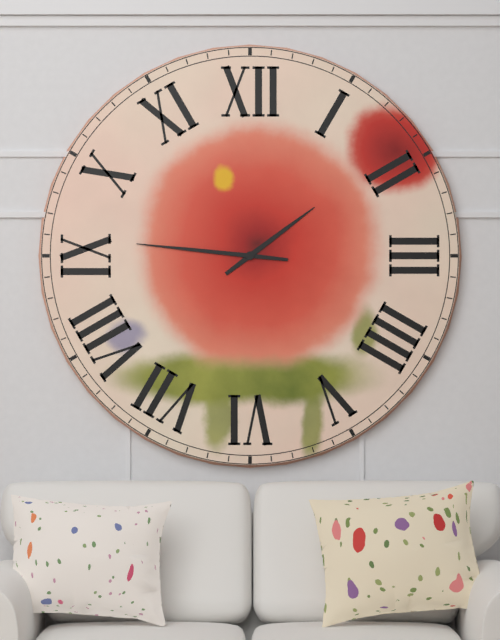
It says h=1 m=46
